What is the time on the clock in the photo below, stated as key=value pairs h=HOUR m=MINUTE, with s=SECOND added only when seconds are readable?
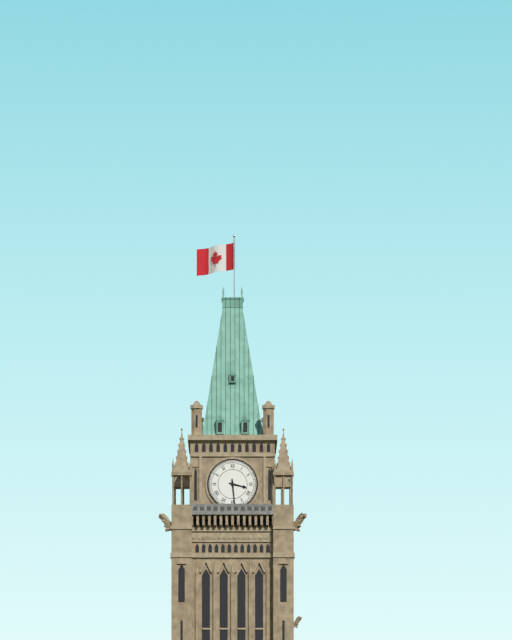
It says h=3 m=29
